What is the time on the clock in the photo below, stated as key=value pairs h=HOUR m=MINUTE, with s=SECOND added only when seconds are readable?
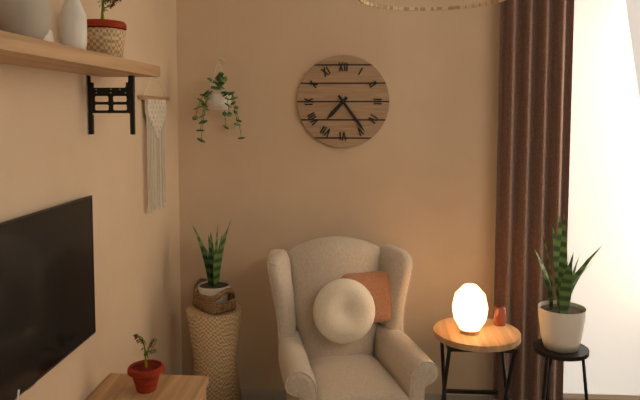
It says h=7 m=24
